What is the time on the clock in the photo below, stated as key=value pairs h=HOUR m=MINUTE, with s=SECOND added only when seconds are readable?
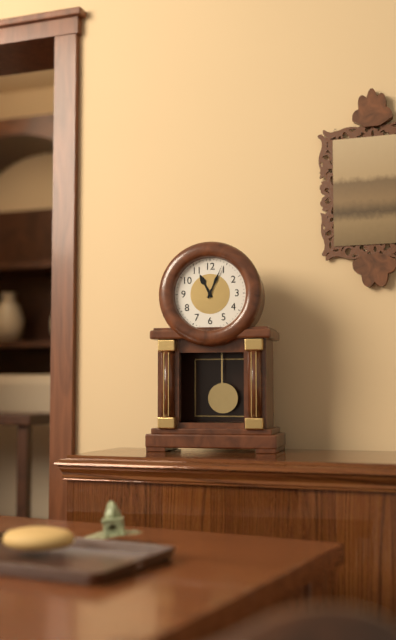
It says h=11 m=4
